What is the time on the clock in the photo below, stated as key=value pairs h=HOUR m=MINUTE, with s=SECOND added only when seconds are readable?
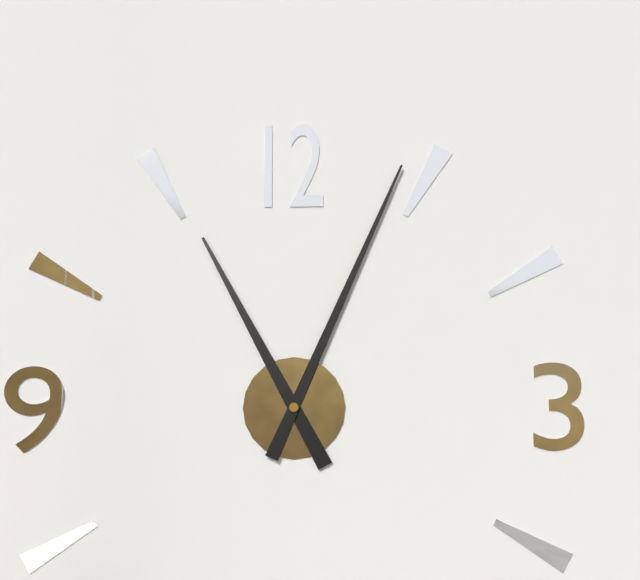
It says h=11 m=4
